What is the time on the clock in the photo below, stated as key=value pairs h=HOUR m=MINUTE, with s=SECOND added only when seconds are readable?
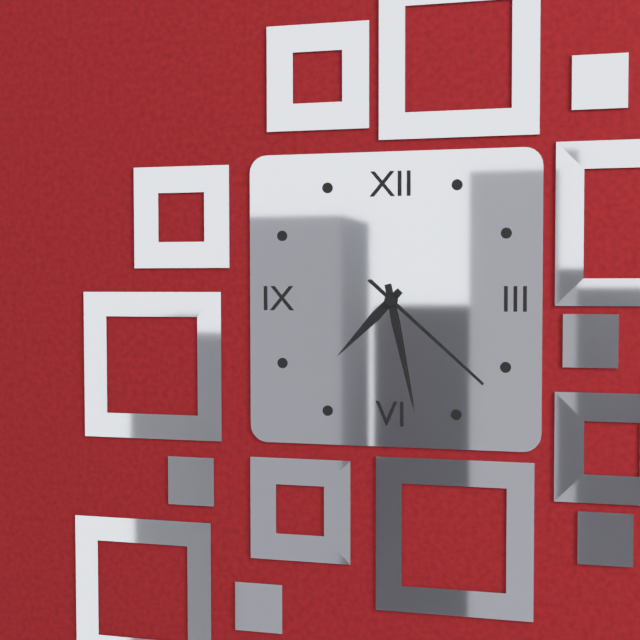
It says h=7 m=28 s=22
